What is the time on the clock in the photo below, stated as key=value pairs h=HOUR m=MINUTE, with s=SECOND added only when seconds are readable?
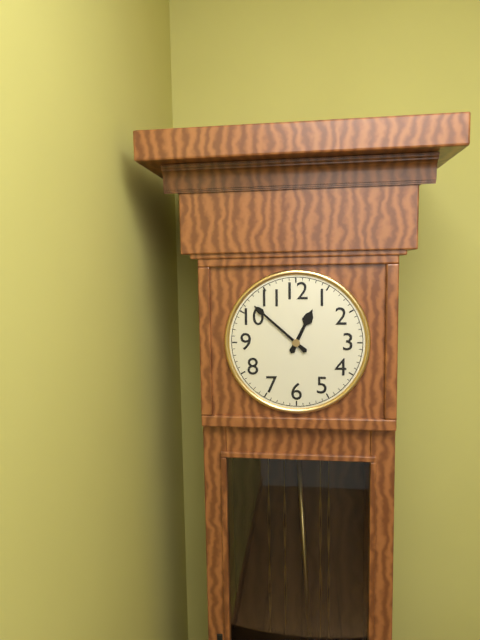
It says h=12 m=52
